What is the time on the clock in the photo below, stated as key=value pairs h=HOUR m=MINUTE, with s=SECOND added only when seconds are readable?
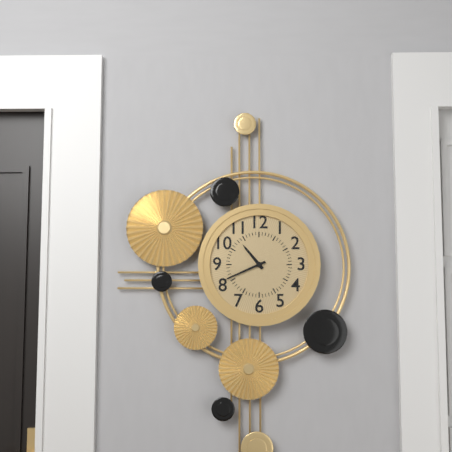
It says h=10 m=41
